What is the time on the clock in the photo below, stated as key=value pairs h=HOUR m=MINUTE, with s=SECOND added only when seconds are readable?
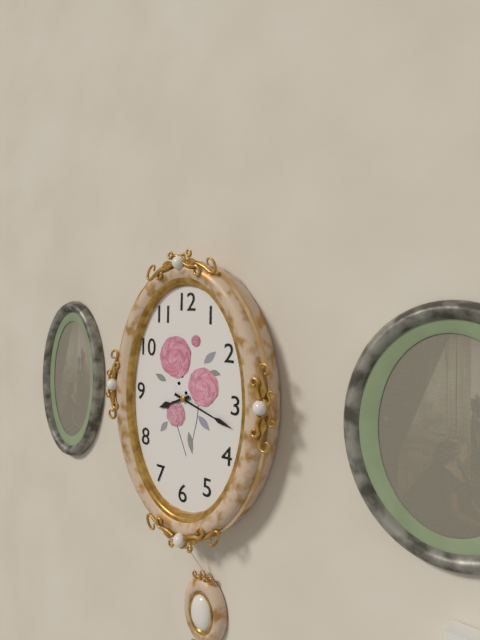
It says h=8 m=18
